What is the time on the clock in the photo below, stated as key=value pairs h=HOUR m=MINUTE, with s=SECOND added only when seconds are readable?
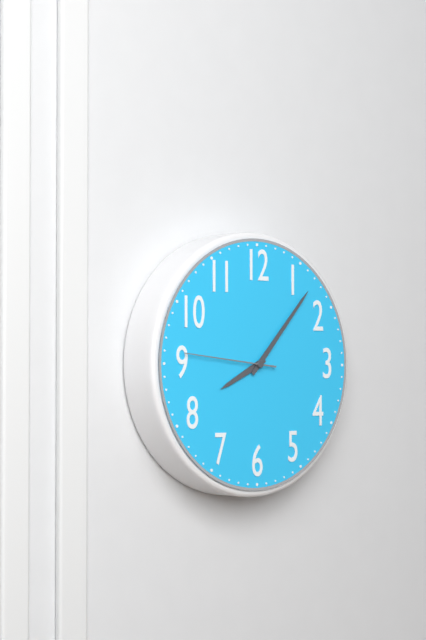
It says h=8 m=7 s=46
